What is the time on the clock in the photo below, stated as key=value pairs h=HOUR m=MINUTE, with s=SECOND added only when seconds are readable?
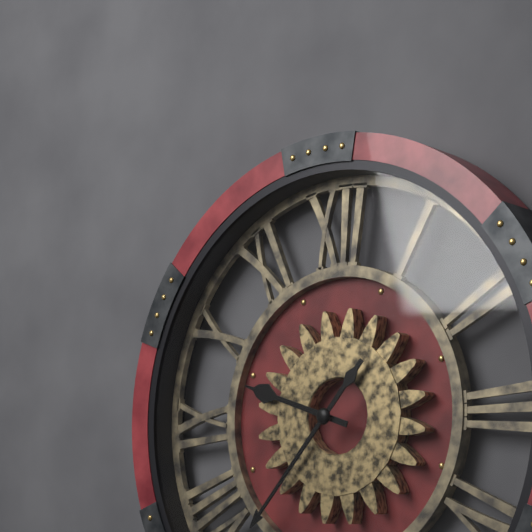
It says h=9 m=37
